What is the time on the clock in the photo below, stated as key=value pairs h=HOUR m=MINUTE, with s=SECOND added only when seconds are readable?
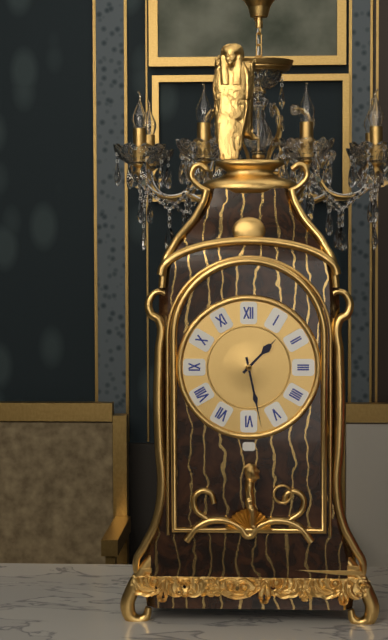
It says h=1 m=28
